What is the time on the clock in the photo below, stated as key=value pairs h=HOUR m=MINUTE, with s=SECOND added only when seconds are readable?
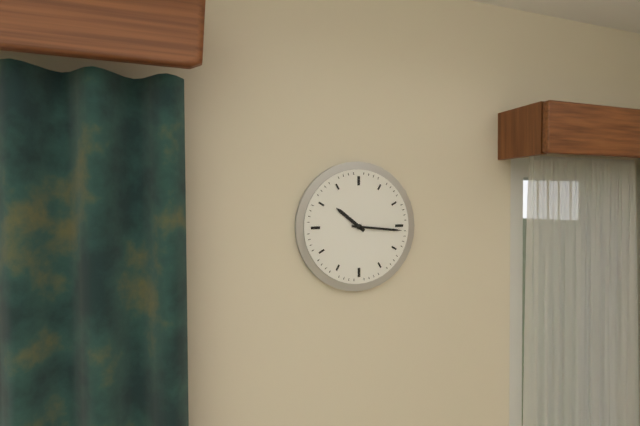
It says h=10 m=16
